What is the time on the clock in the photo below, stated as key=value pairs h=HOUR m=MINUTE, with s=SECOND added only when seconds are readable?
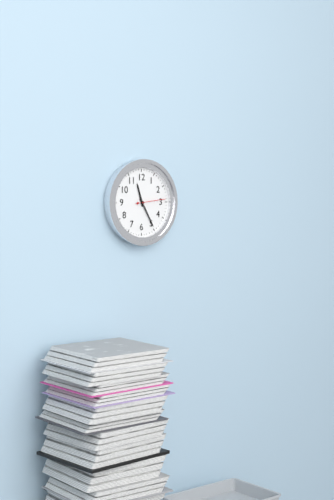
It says h=11 m=25
